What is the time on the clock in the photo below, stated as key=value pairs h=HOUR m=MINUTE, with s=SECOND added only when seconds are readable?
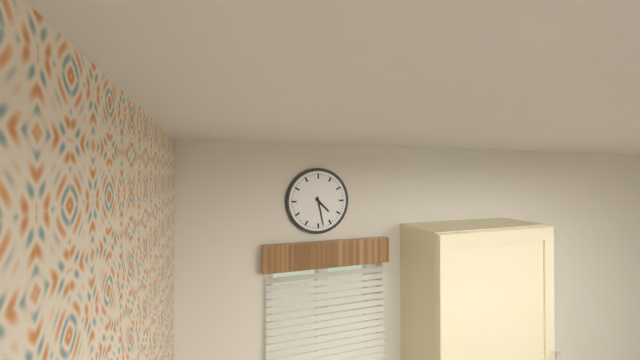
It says h=4 m=28
